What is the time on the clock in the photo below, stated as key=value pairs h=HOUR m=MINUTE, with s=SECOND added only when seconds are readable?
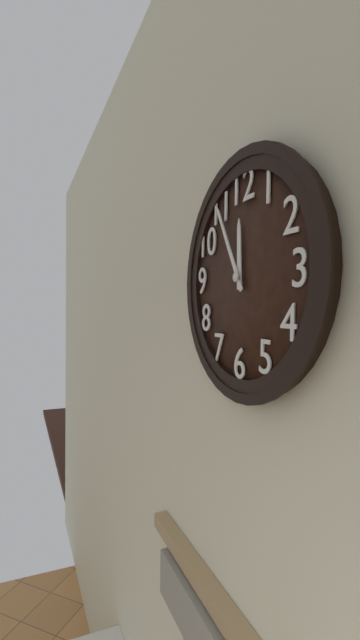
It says h=11 m=55
